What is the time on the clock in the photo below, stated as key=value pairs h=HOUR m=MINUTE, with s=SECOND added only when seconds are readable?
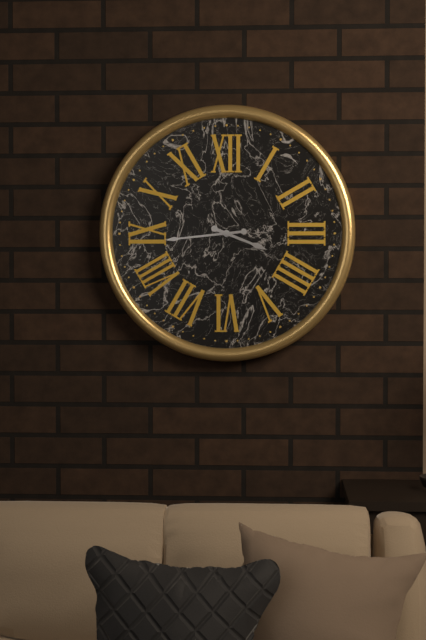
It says h=3 m=44
